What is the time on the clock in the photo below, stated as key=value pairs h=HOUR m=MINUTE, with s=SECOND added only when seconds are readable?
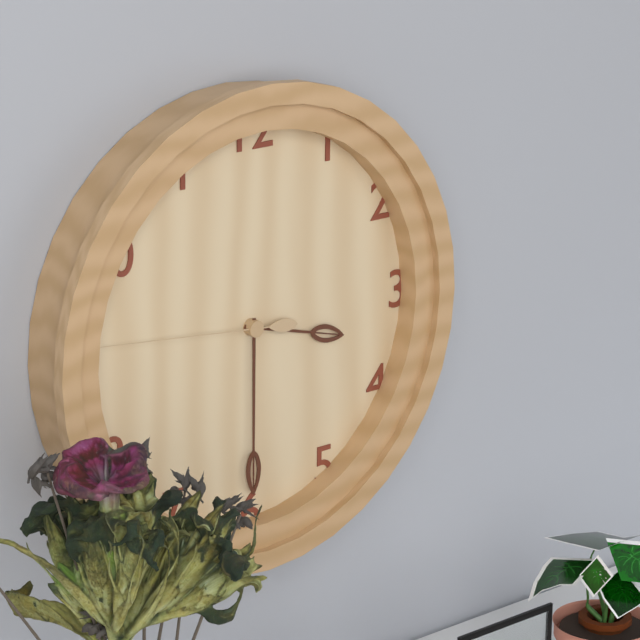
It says h=3 m=30 s=46
